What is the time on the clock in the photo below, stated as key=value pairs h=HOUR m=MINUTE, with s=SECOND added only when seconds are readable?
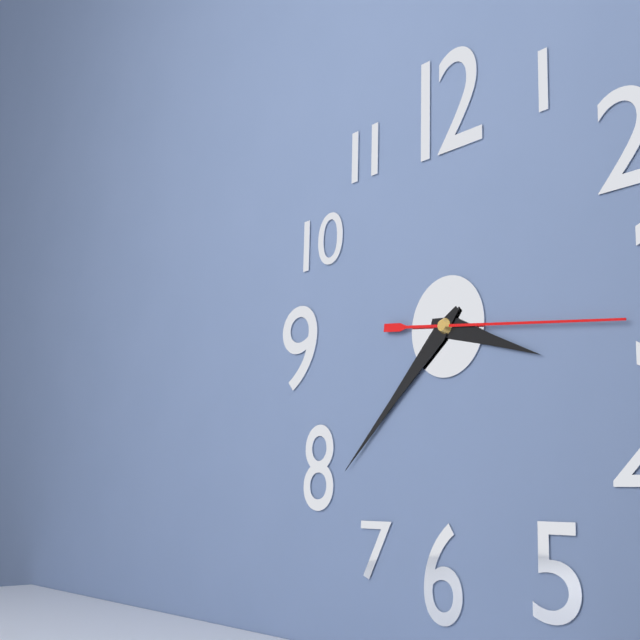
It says h=3 m=38 s=16
